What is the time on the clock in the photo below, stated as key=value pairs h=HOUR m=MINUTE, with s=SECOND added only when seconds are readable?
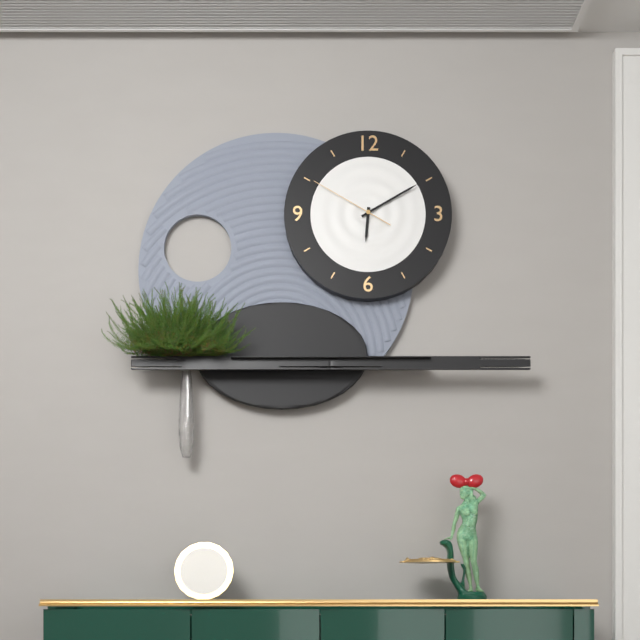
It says h=6 m=10 s=50
